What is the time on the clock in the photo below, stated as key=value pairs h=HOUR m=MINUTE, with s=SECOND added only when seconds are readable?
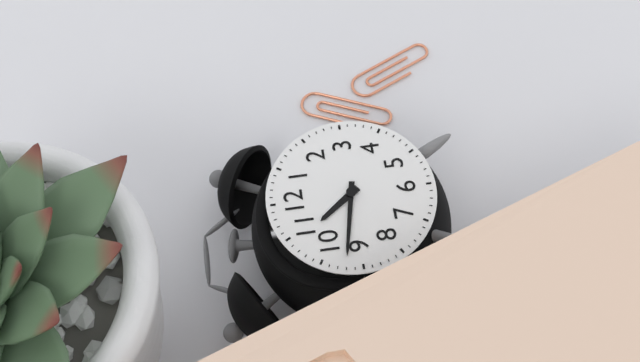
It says h=10 m=47
